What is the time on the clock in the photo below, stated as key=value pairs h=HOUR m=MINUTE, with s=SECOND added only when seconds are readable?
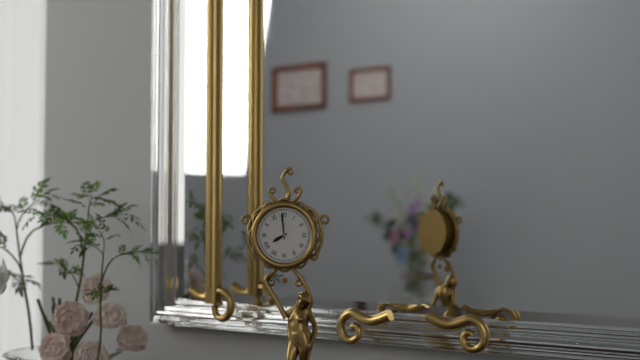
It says h=7 m=59
